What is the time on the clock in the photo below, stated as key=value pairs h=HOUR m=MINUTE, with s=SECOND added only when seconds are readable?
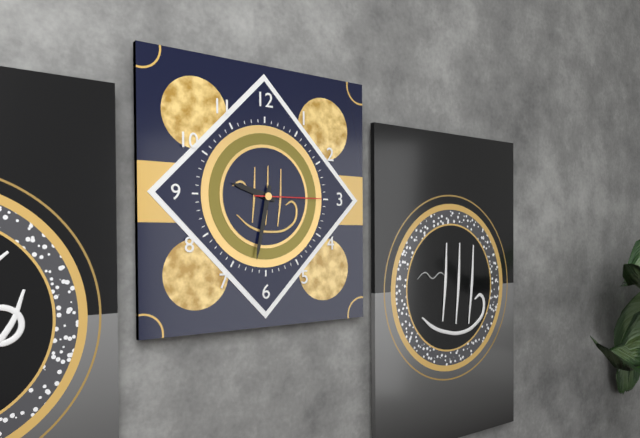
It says h=9 m=32 s=15
